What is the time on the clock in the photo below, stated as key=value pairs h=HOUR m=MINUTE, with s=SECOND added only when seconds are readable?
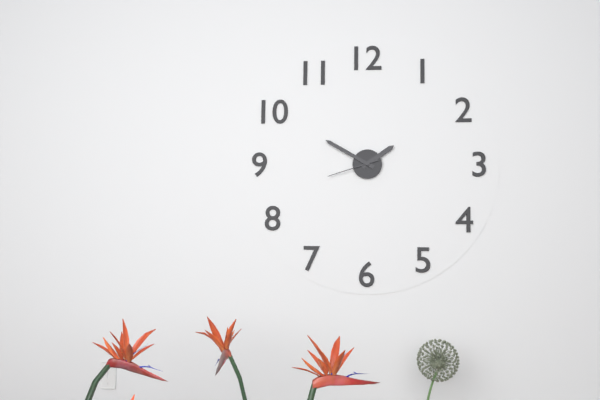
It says h=1 m=50 s=42
